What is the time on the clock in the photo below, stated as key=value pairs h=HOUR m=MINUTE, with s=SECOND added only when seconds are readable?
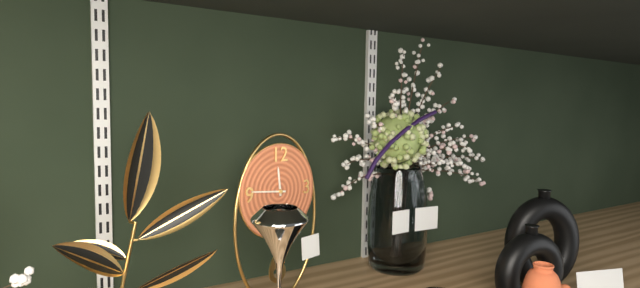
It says h=11 m=46
